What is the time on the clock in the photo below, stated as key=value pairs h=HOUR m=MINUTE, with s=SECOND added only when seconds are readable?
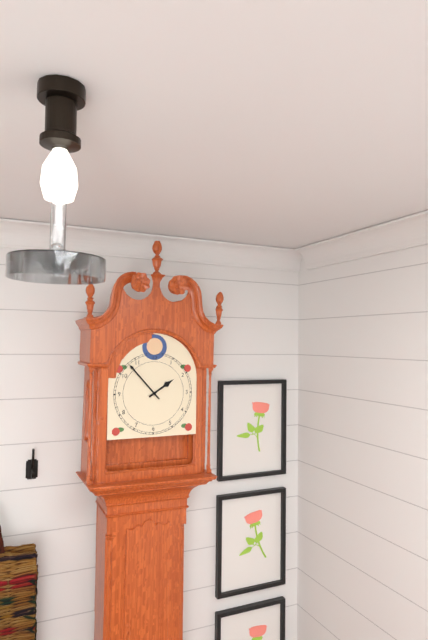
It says h=1 m=53
